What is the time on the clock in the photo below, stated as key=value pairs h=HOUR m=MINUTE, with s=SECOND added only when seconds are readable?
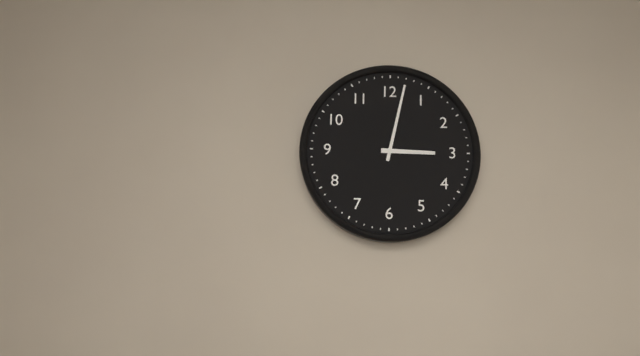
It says h=3 m=2
